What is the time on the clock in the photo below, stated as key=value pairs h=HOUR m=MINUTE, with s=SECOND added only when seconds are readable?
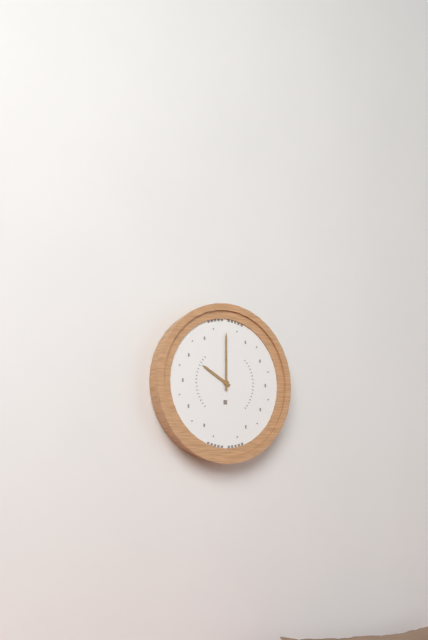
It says h=10 m=0
